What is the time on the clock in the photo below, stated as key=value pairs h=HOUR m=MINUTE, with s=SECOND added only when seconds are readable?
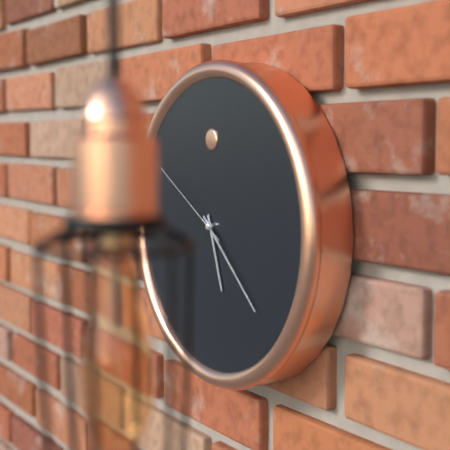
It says h=5 m=22 s=50
